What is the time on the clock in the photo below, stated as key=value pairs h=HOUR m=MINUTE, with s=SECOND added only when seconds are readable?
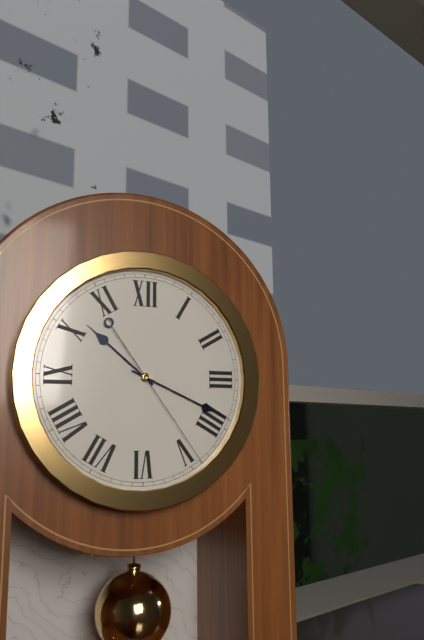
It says h=10 m=19 s=24
